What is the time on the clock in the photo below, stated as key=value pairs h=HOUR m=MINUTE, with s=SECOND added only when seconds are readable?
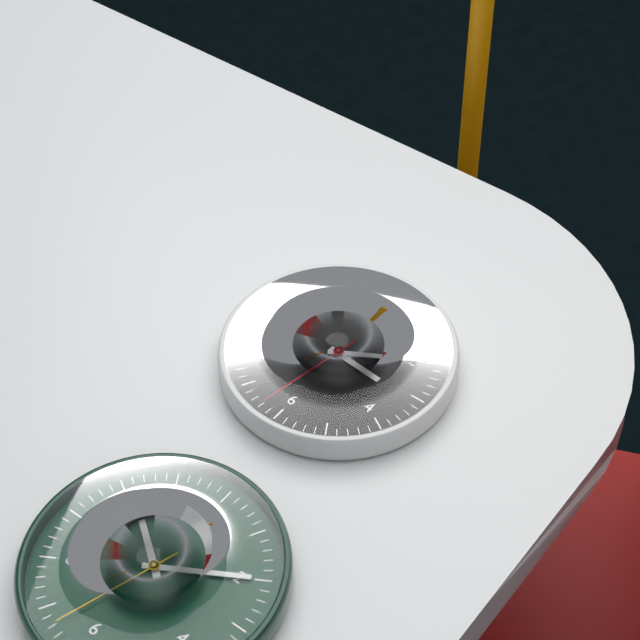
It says h=3 m=10 s=32
